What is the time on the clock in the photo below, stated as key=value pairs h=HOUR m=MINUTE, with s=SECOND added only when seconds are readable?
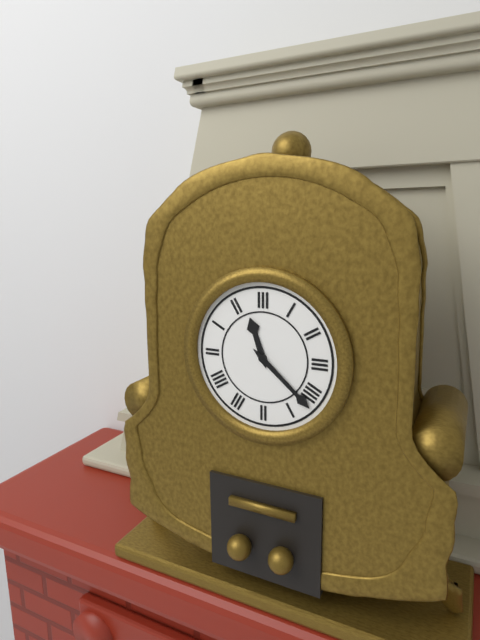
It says h=11 m=22
